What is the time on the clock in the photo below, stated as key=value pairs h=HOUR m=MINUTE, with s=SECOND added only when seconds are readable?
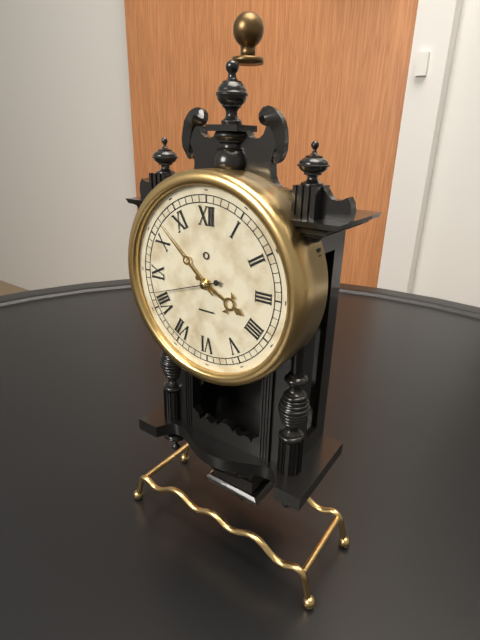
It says h=3 m=52 s=42
